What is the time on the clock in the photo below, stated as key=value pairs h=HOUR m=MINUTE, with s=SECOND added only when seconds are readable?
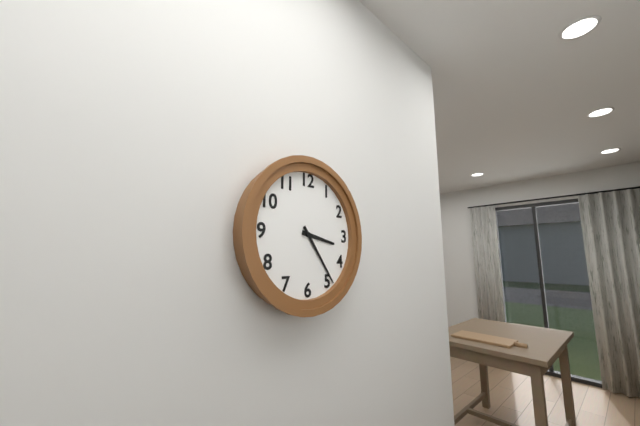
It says h=3 m=24
